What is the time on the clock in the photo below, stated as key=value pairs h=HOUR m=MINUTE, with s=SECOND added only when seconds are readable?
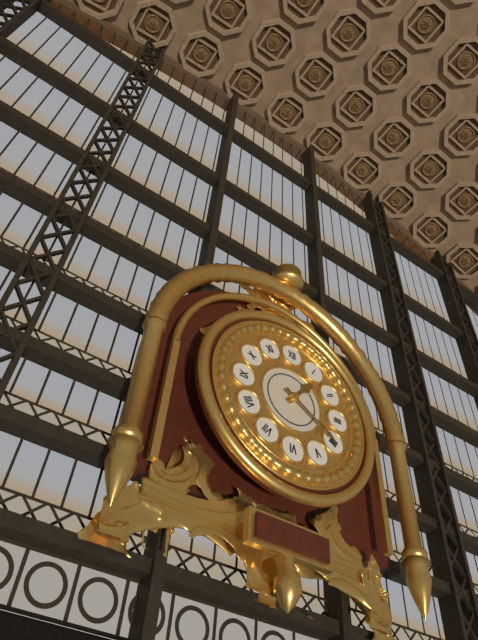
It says h=1 m=20
